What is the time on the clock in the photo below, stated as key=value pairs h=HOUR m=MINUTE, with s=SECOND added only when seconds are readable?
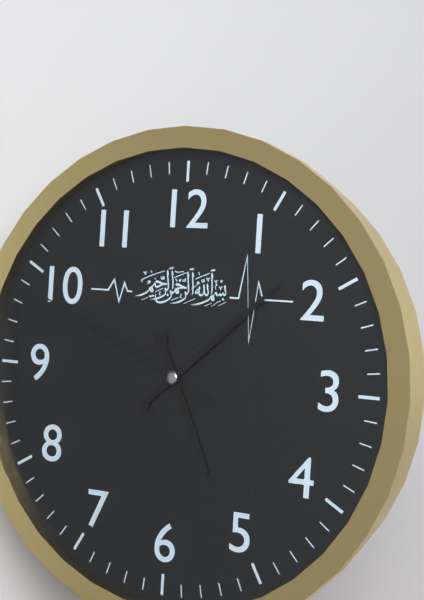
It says h=5 m=8 s=49
